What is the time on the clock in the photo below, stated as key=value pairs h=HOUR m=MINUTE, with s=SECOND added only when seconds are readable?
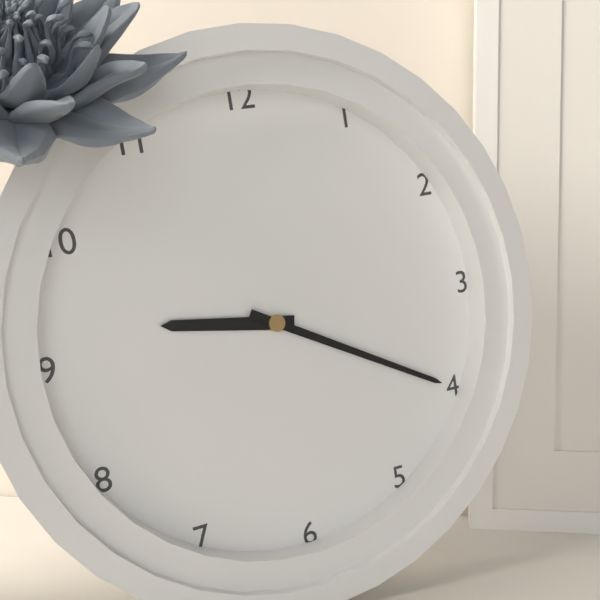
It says h=9 m=20
